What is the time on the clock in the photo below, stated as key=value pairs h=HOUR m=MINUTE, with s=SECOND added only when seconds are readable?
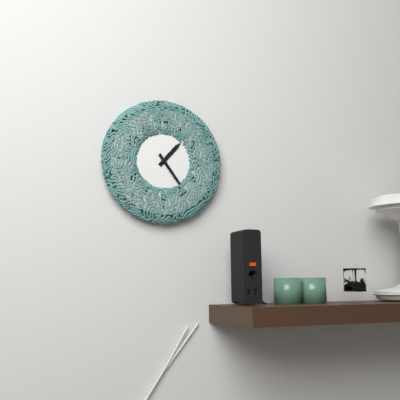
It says h=1 m=24
